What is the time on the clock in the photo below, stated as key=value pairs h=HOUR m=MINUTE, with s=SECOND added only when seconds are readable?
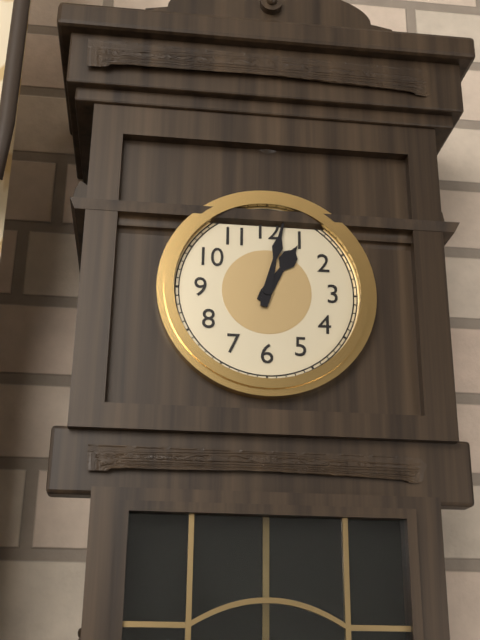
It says h=1 m=2
